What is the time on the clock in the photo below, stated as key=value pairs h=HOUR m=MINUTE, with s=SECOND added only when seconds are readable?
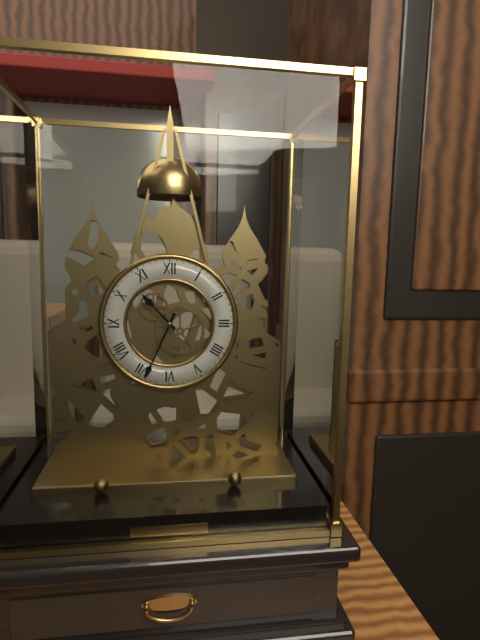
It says h=10 m=34
